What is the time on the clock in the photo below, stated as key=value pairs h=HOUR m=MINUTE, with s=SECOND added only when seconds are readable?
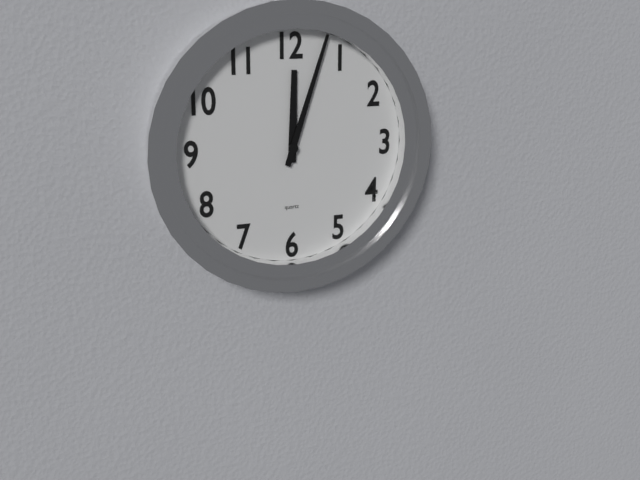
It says h=12 m=3
